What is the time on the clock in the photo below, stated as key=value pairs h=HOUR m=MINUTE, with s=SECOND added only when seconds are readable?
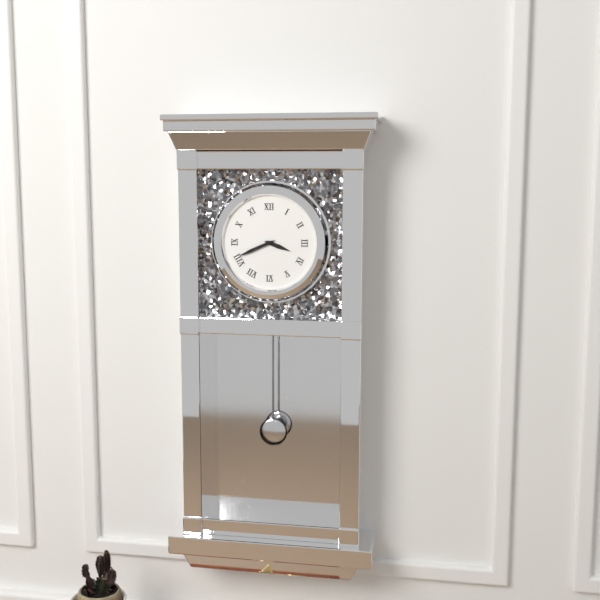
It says h=3 m=41
